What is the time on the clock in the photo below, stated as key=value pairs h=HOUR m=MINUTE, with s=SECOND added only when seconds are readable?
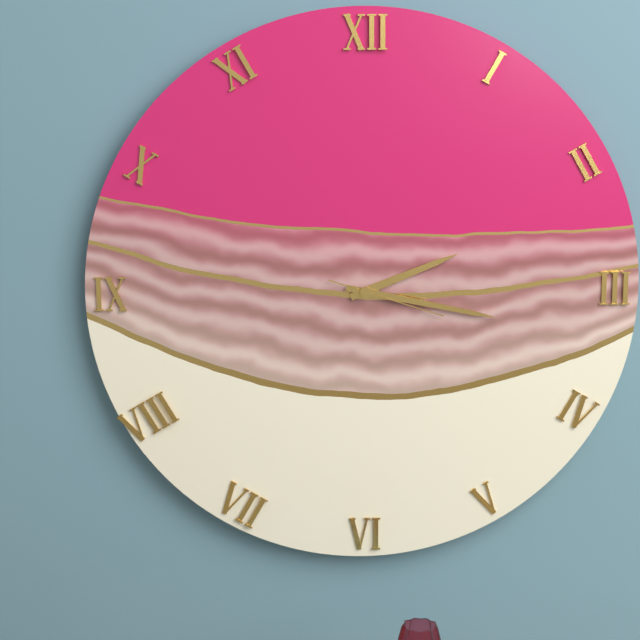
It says h=2 m=17 s=18
